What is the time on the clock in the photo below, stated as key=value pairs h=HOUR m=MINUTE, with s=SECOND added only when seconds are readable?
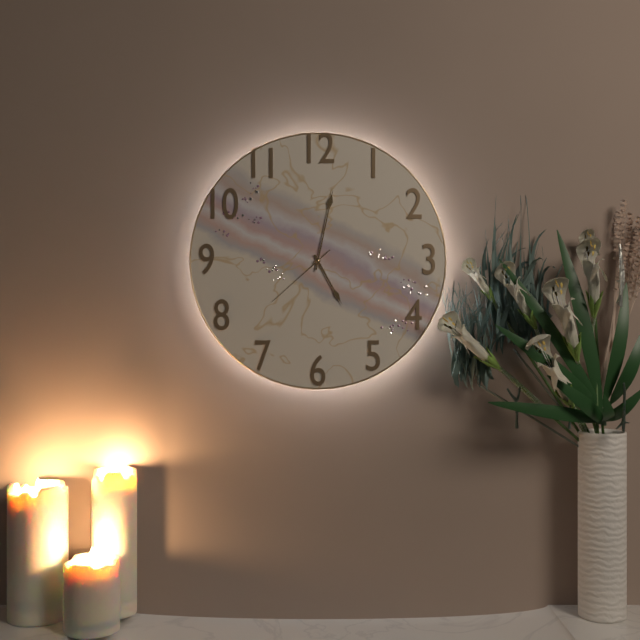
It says h=5 m=2 s=38
